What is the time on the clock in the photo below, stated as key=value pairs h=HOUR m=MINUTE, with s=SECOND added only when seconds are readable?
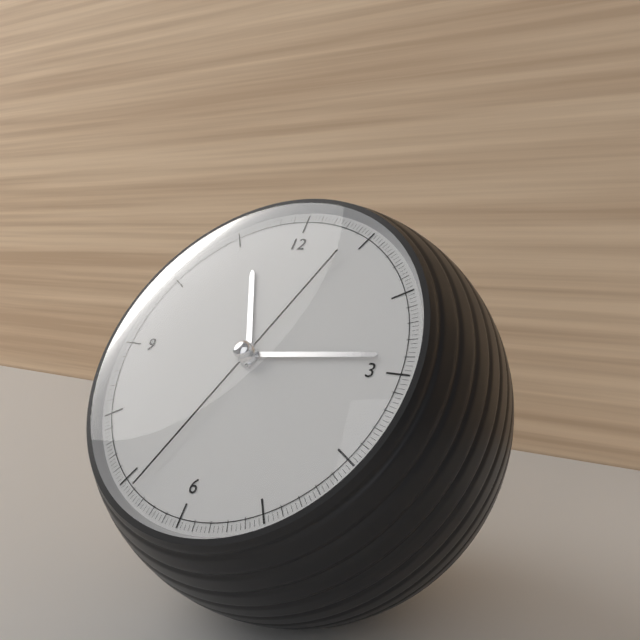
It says h=11 m=14 s=34
